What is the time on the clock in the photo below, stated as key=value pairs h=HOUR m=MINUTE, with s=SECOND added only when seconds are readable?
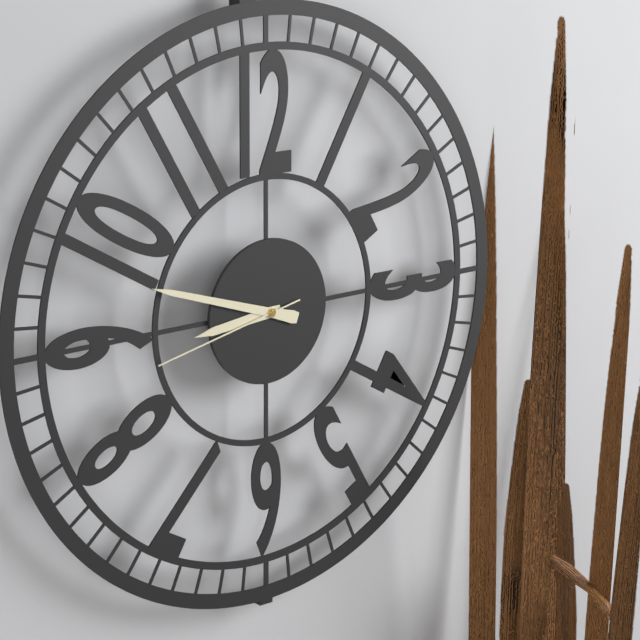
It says h=8 m=48 s=43
